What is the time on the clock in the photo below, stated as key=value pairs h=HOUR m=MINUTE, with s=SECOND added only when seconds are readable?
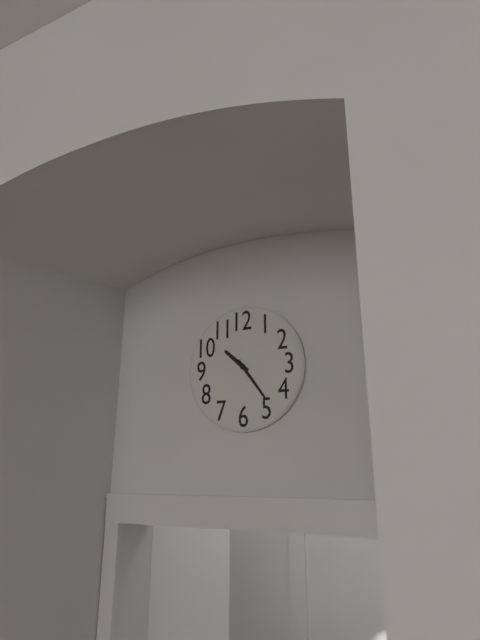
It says h=10 m=24
